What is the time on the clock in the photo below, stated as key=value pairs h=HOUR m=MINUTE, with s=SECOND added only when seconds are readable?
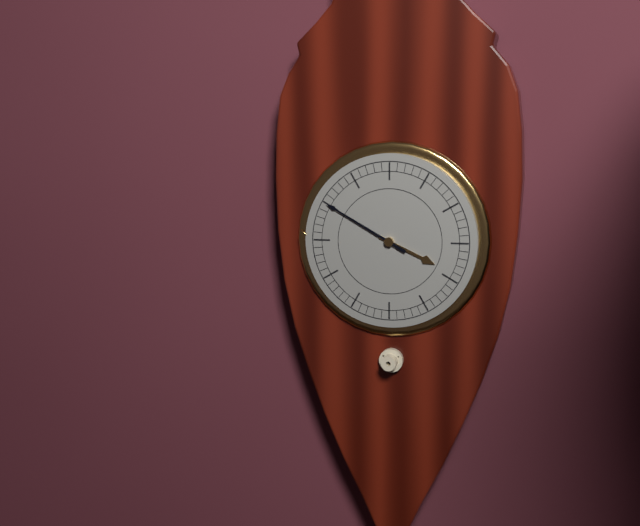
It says h=3 m=50
